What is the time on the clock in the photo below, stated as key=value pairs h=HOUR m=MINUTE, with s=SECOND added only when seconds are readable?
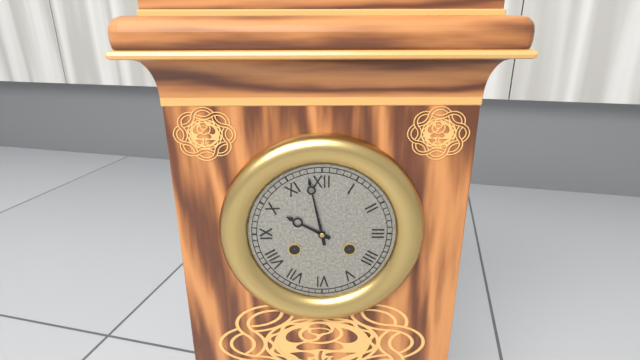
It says h=9 m=58
